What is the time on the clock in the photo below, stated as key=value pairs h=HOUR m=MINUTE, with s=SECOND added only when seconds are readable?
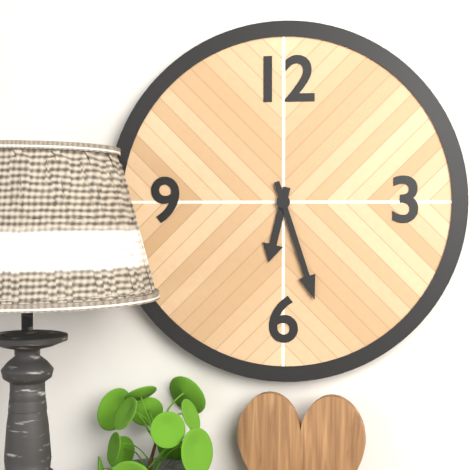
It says h=6 m=27
